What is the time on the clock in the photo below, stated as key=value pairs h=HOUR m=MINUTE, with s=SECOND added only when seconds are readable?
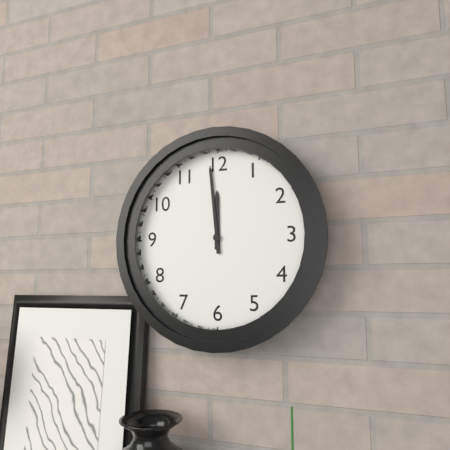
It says h=11 m=59
